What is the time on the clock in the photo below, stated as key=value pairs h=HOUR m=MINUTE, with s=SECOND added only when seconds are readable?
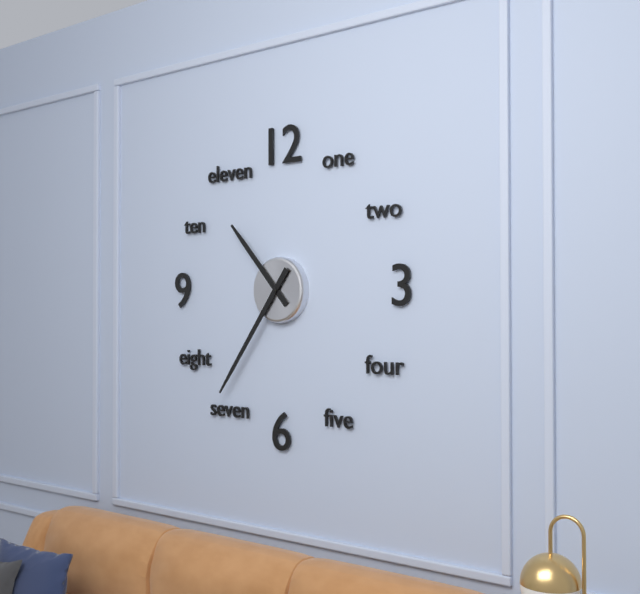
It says h=10 m=36
